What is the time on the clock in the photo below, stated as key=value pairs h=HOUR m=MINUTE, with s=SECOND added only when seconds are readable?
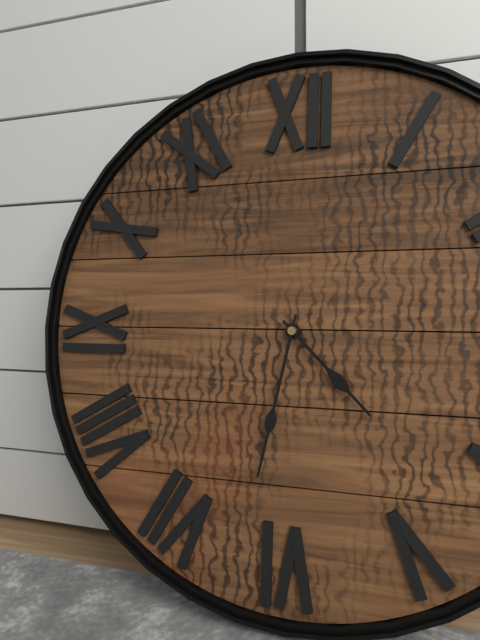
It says h=4 m=32
